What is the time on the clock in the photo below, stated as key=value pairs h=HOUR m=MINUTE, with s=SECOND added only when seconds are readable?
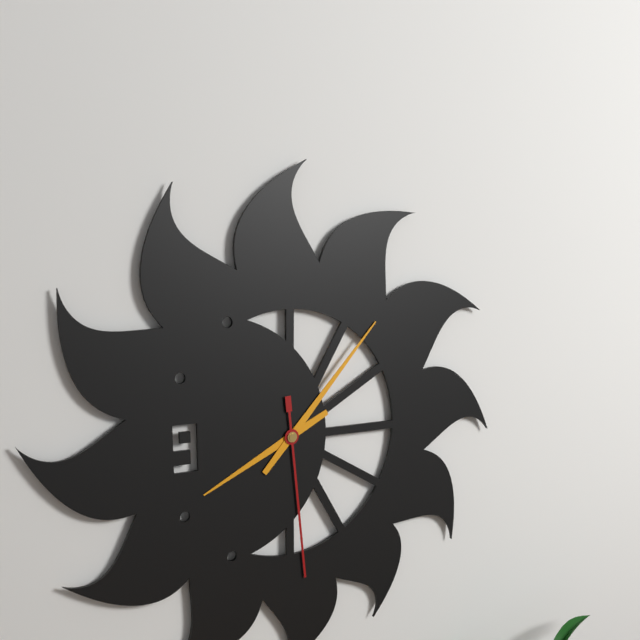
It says h=8 m=7 s=29
